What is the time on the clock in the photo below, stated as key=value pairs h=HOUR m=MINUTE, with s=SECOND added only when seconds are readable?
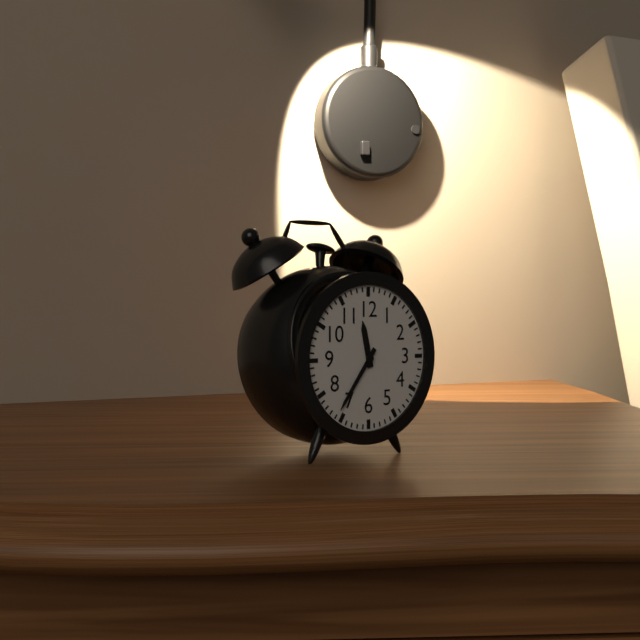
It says h=11 m=36
